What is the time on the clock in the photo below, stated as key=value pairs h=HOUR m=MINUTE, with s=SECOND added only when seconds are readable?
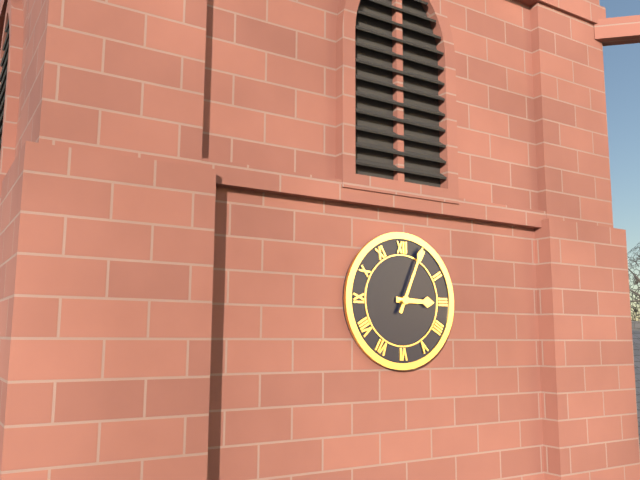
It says h=3 m=4
